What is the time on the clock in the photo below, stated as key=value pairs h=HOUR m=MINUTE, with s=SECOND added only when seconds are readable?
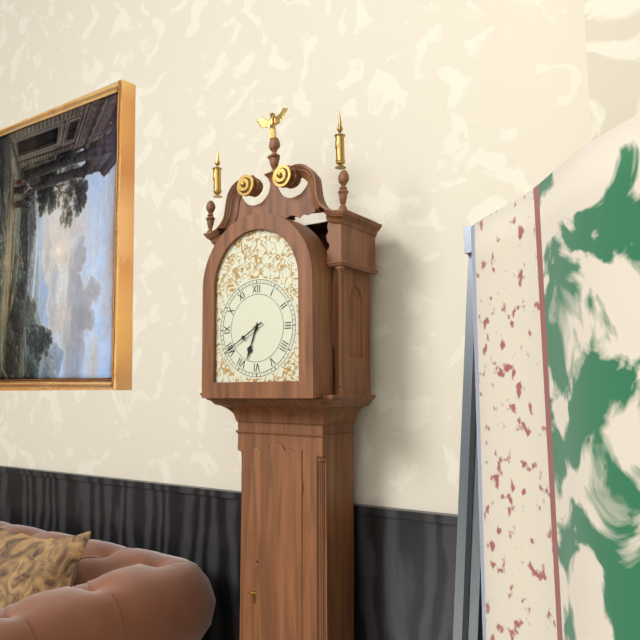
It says h=6 m=40
